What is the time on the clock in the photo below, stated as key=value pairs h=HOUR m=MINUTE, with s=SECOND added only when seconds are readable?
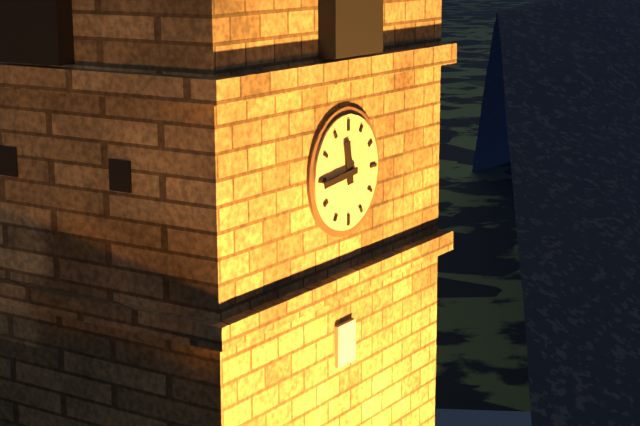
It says h=11 m=44
